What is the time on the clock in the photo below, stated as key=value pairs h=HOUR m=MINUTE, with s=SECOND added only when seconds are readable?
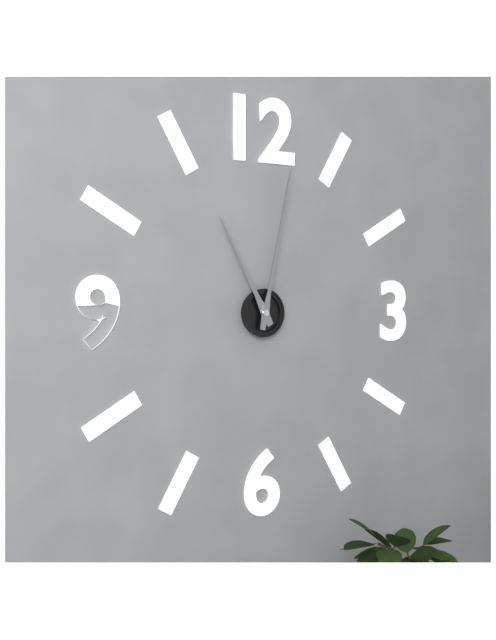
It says h=11 m=2
